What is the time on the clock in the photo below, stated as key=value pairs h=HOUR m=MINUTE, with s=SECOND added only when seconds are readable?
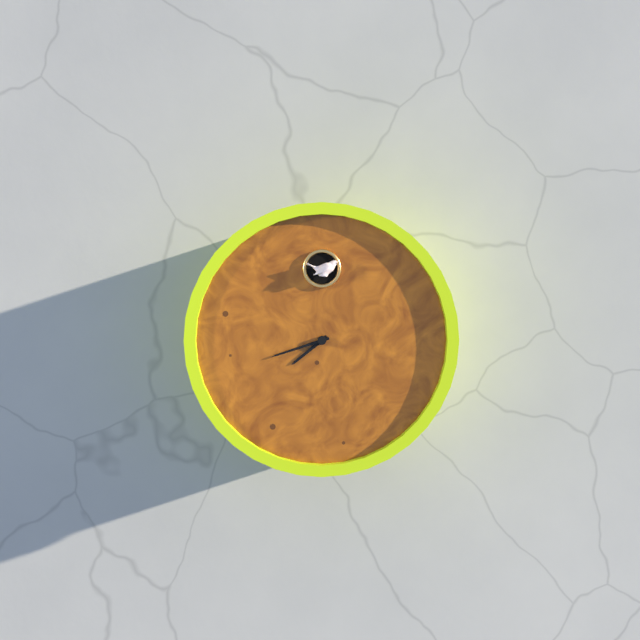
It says h=7 m=42
